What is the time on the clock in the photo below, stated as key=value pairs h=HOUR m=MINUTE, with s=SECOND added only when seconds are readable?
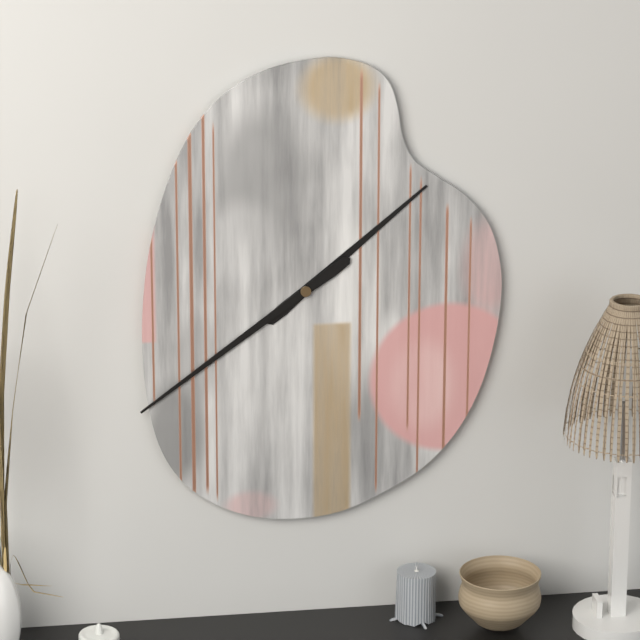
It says h=1 m=39
